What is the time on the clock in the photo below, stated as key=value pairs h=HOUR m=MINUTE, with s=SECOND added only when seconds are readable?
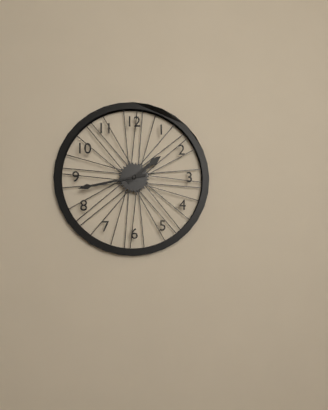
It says h=1 m=43
